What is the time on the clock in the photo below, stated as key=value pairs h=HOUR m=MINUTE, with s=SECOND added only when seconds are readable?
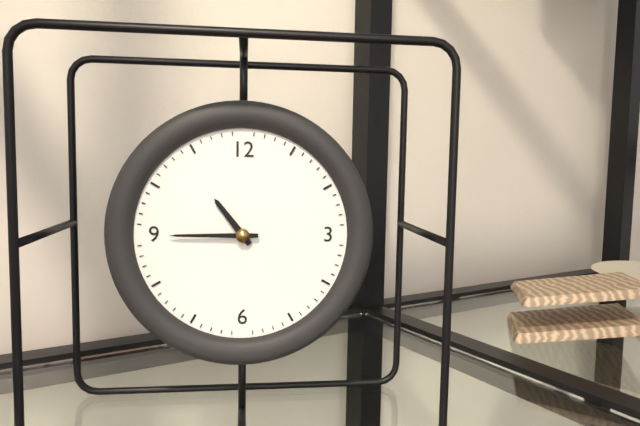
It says h=10 m=45
